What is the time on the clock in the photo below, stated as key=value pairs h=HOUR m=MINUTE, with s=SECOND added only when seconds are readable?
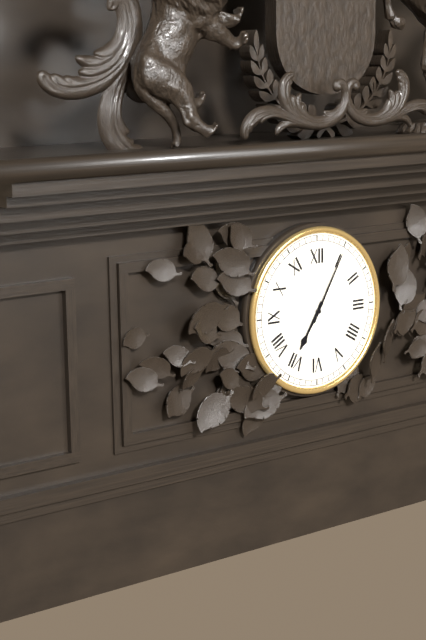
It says h=7 m=5
